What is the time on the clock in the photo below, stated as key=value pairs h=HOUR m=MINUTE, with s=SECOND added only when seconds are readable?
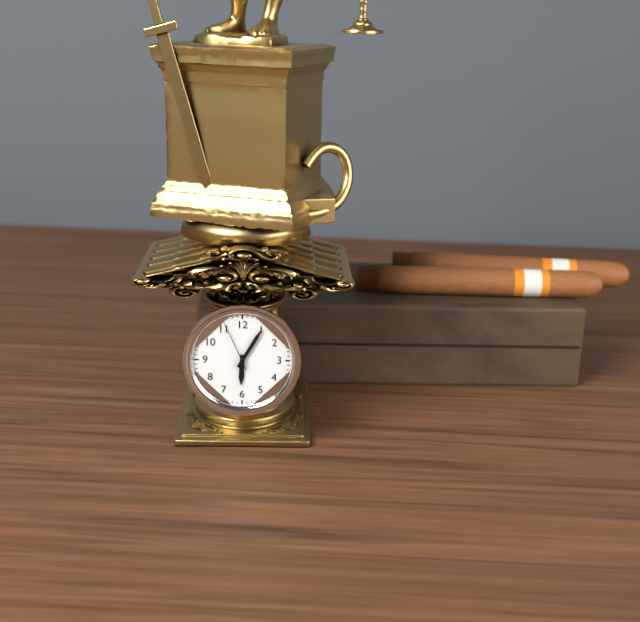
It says h=6 m=5 s=56
